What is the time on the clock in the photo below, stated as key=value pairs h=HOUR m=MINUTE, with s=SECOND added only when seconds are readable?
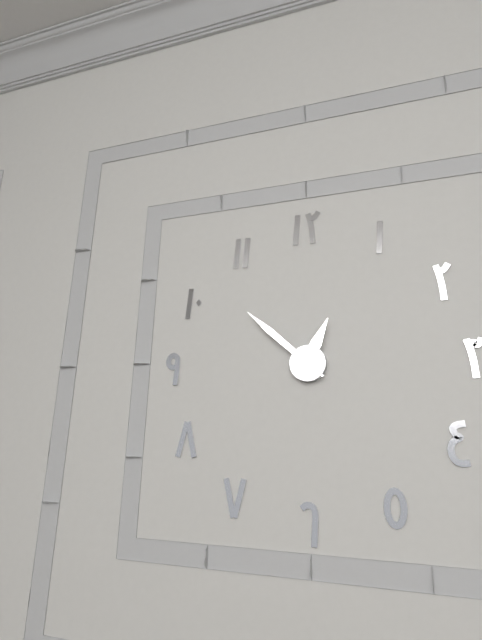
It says h=12 m=52 s=52
